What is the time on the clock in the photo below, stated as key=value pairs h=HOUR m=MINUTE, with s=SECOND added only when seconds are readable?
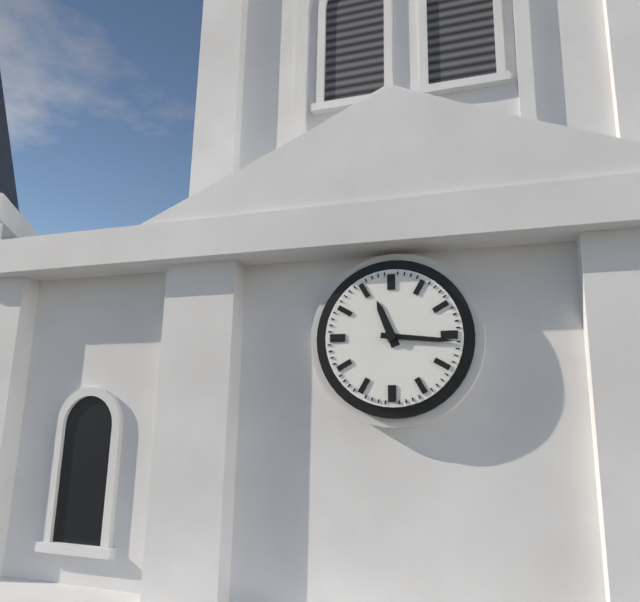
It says h=11 m=16
